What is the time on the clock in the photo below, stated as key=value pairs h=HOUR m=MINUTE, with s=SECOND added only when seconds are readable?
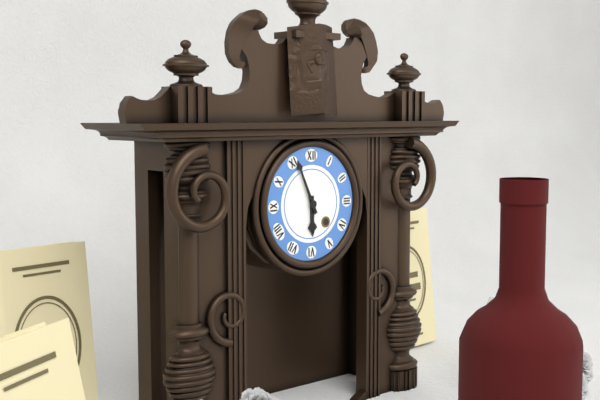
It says h=5 m=56
